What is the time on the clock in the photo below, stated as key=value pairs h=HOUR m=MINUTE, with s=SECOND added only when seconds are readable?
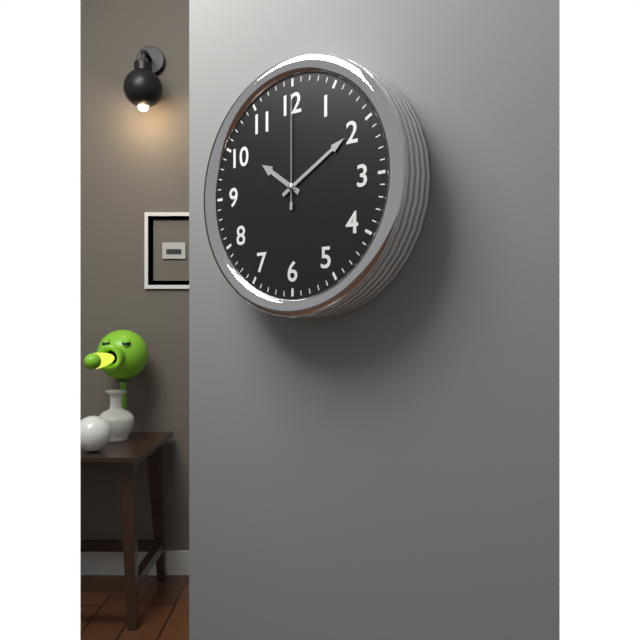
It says h=10 m=10 s=0
